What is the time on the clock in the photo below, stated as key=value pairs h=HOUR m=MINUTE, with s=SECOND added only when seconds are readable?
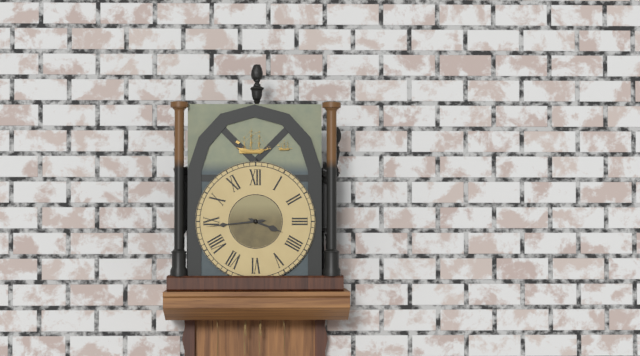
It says h=3 m=44
